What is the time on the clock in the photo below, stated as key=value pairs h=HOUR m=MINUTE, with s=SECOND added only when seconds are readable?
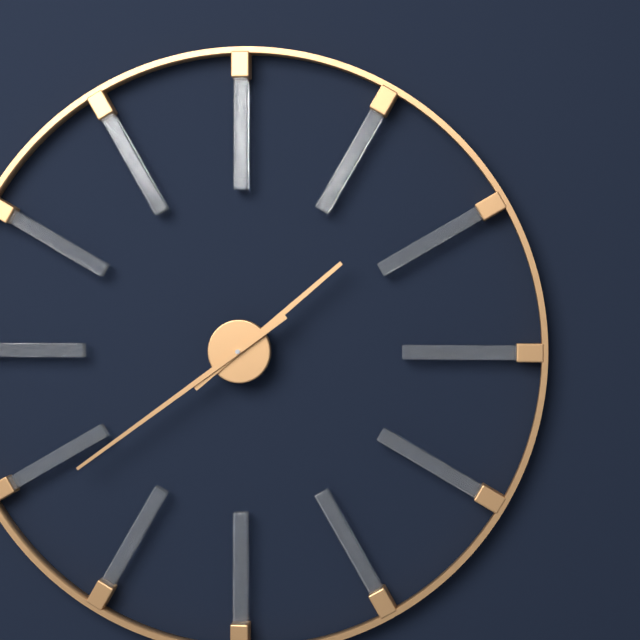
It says h=1 m=39
